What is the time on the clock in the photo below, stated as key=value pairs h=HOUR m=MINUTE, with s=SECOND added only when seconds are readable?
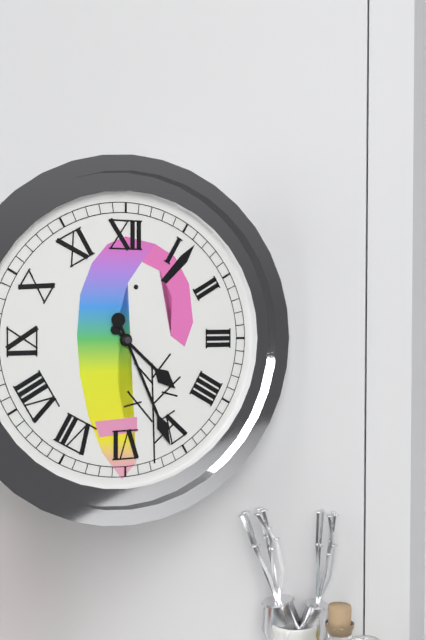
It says h=4 m=26
